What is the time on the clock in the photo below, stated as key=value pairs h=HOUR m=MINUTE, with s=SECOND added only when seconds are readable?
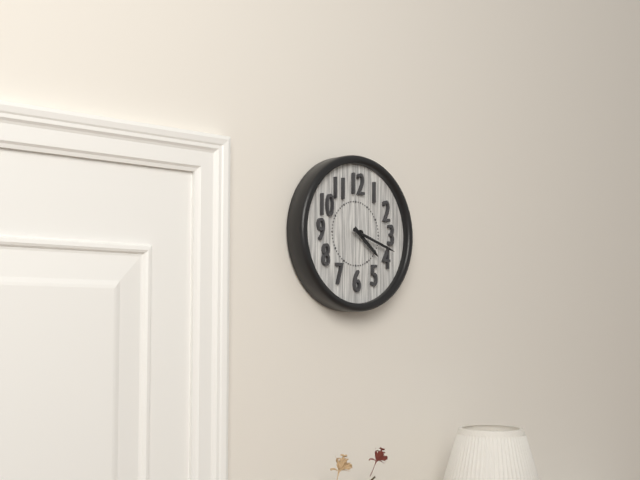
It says h=4 m=18
